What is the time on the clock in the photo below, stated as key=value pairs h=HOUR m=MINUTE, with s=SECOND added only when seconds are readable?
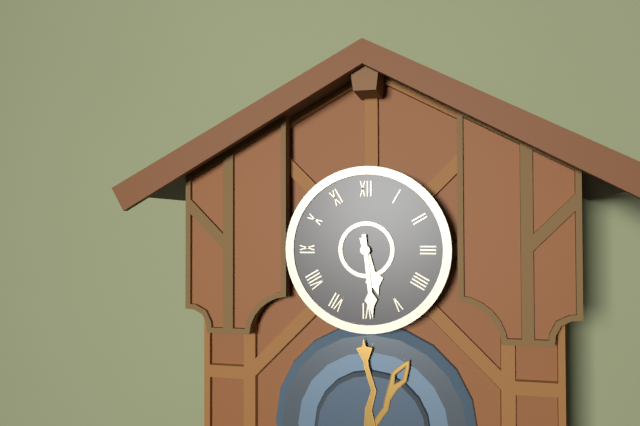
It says h=5 m=29
